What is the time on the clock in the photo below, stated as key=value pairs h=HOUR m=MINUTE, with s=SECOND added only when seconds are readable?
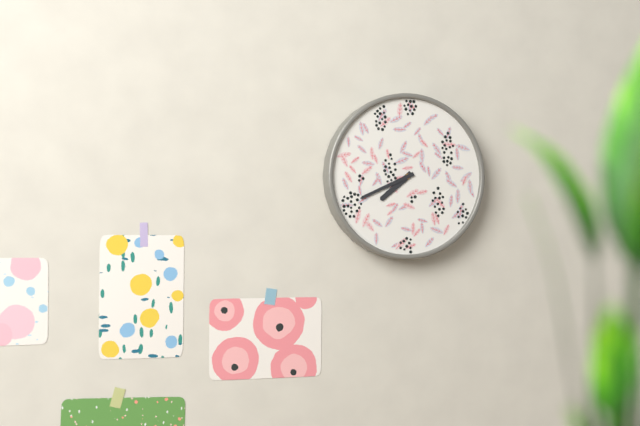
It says h=7 m=41
